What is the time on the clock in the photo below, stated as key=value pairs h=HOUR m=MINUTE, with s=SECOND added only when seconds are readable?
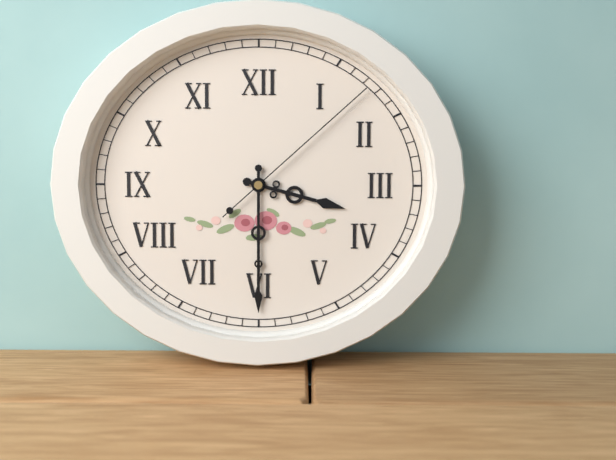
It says h=3 m=30 s=8
